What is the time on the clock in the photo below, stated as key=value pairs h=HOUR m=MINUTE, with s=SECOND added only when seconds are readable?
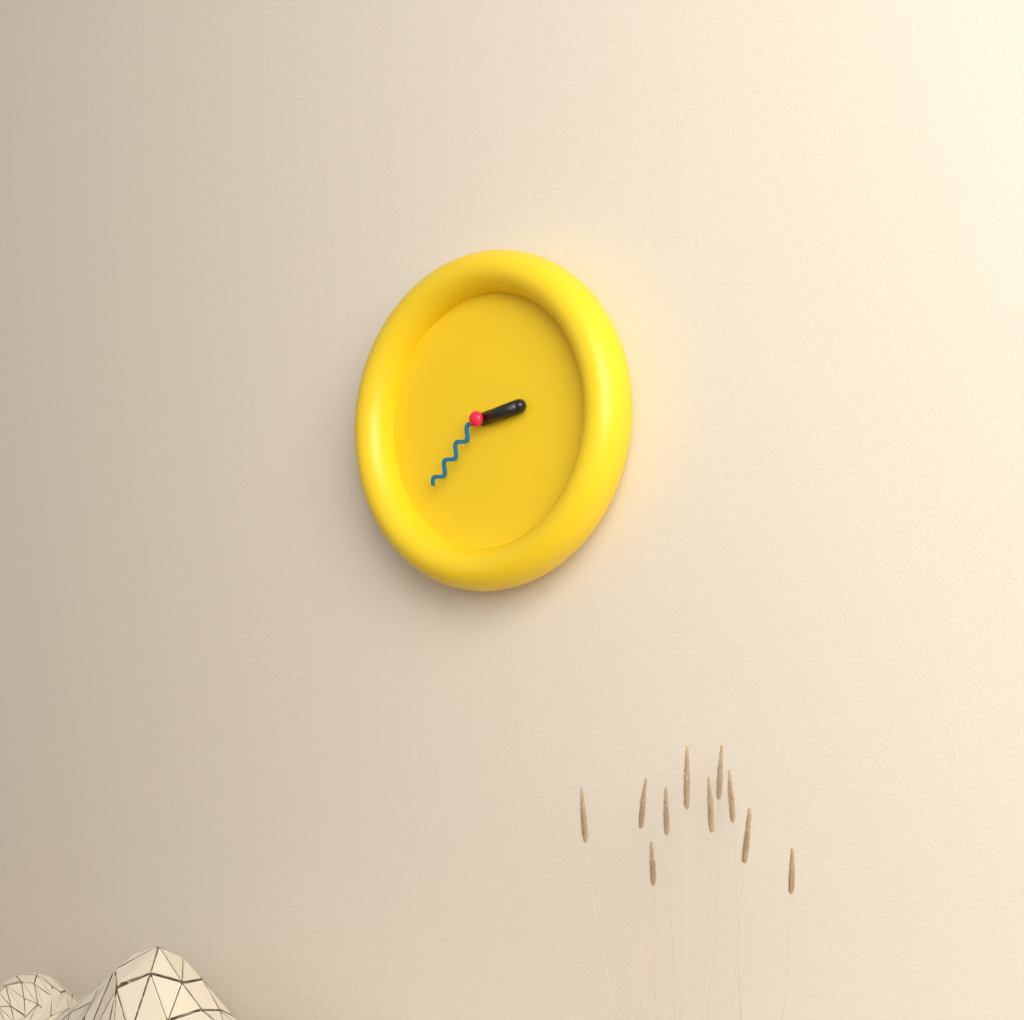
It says h=2 m=37
